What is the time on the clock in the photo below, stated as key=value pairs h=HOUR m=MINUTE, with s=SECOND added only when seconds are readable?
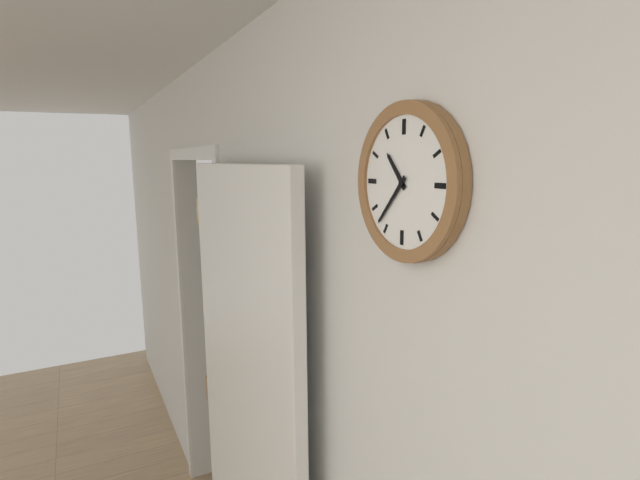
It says h=10 m=37
